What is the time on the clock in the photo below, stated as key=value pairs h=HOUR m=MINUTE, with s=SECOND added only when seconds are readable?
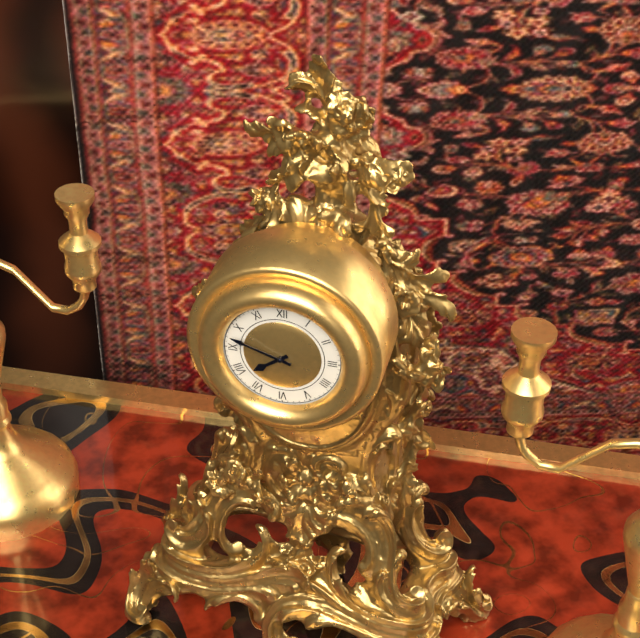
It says h=7 m=48
